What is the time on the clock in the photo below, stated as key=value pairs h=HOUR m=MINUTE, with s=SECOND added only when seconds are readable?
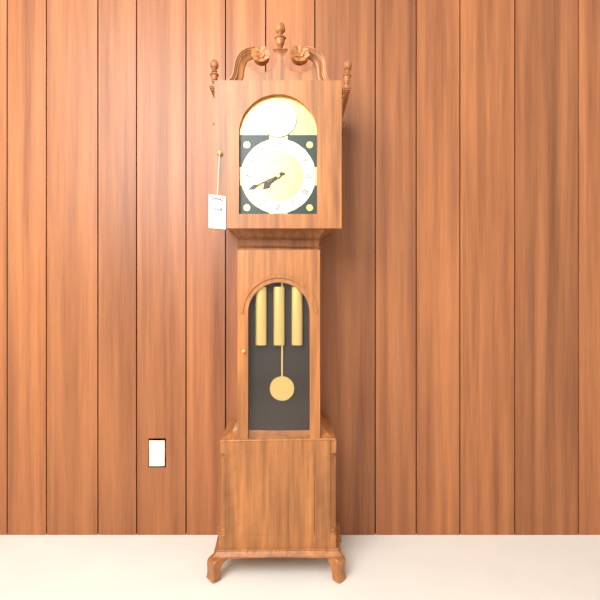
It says h=7 m=41
